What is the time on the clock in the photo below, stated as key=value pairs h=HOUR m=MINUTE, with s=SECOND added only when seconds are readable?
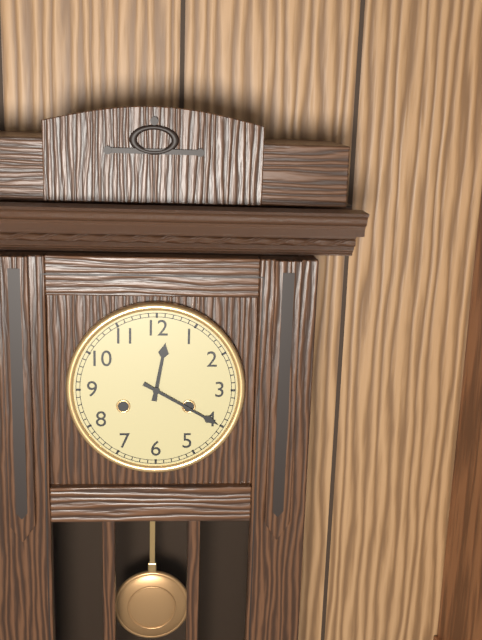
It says h=12 m=20
